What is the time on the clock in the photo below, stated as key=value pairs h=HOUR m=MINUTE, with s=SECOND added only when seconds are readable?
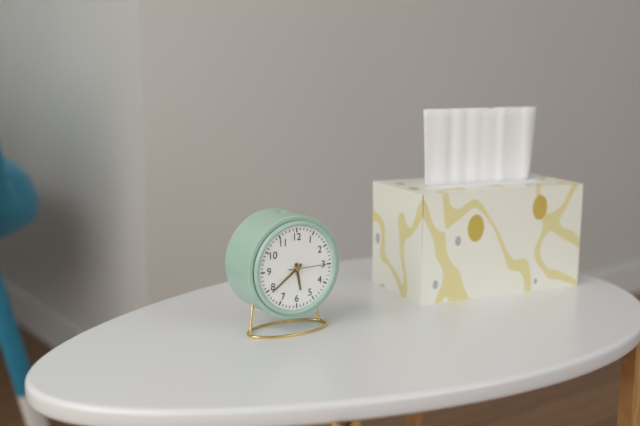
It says h=5 m=39
